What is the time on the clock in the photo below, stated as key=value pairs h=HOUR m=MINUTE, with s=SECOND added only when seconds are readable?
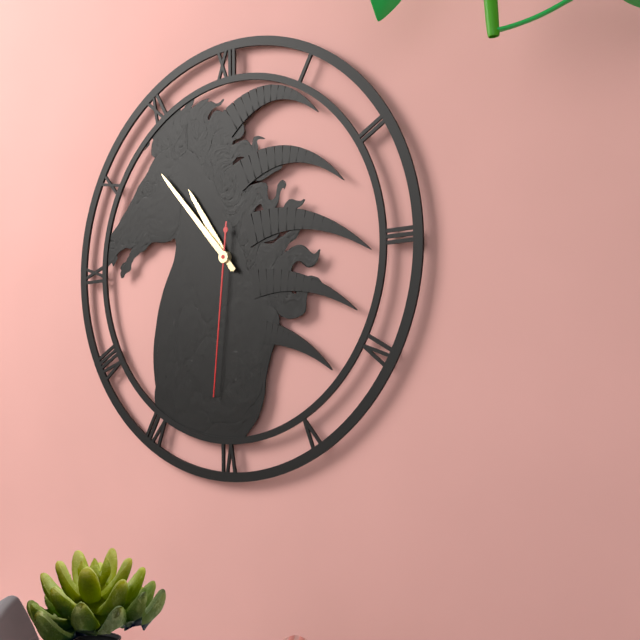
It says h=10 m=53 s=31
